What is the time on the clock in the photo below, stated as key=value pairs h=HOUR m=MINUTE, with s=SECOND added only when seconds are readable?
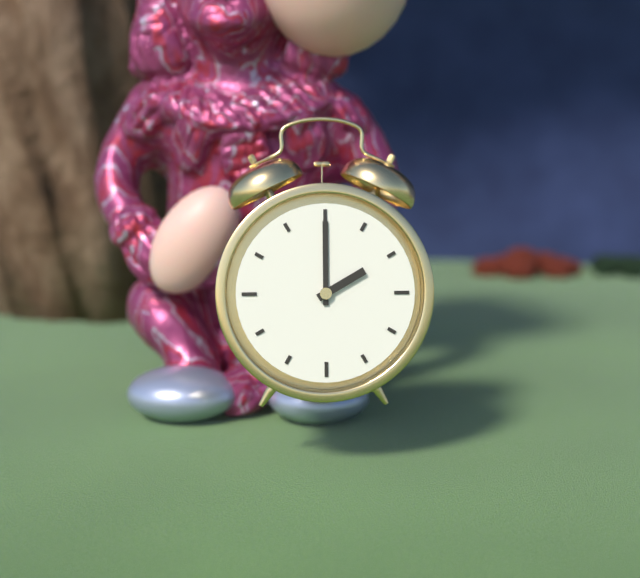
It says h=2 m=0
